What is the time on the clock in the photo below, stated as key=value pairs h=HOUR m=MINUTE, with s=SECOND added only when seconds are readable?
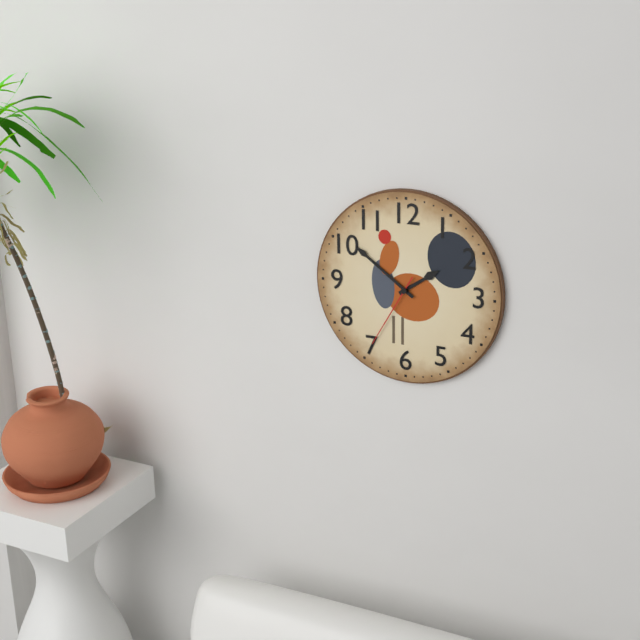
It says h=1 m=51 s=35
